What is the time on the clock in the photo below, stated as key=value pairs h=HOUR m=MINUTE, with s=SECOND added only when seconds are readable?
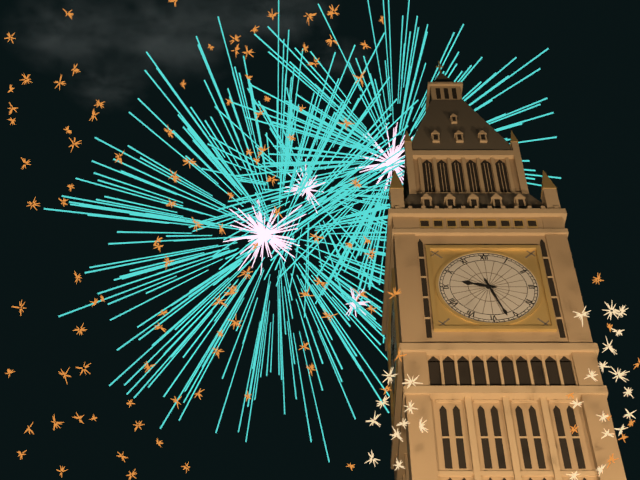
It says h=9 m=27
